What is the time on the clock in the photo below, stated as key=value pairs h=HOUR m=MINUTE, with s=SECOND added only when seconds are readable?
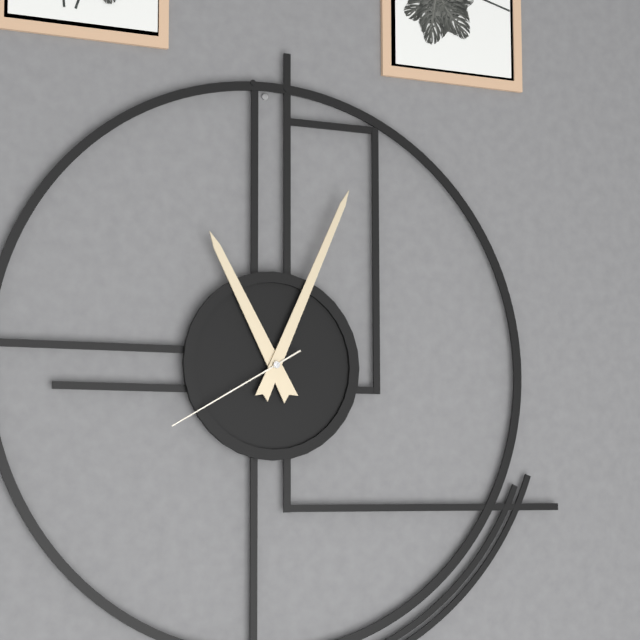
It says h=11 m=4 s=40
